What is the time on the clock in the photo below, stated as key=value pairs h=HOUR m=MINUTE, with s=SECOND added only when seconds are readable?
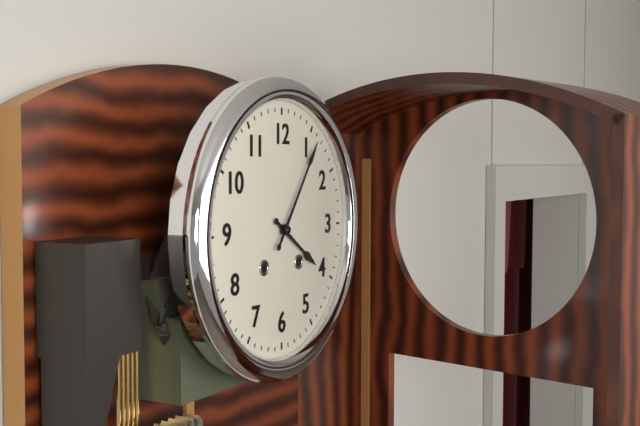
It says h=4 m=6
